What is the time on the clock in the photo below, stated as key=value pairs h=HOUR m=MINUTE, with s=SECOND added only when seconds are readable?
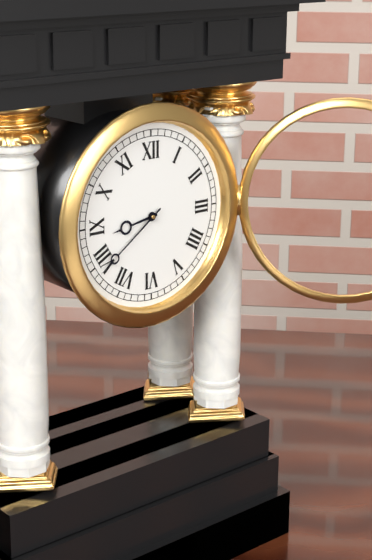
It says h=8 m=39
